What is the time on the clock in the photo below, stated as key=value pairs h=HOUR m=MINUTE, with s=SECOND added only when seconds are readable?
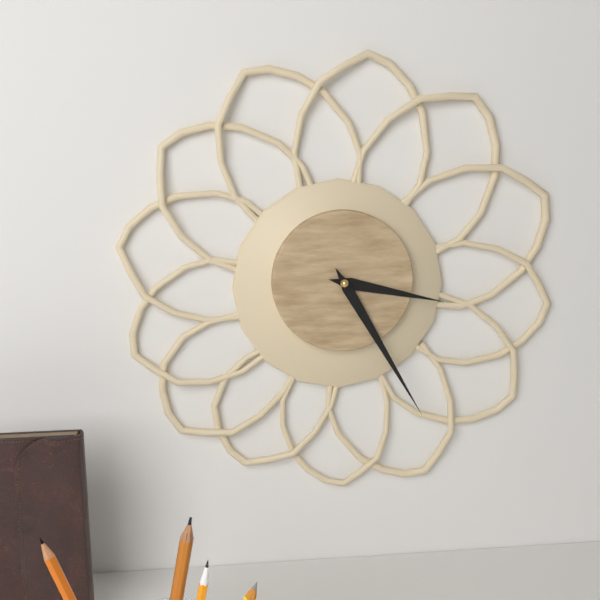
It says h=3 m=25
